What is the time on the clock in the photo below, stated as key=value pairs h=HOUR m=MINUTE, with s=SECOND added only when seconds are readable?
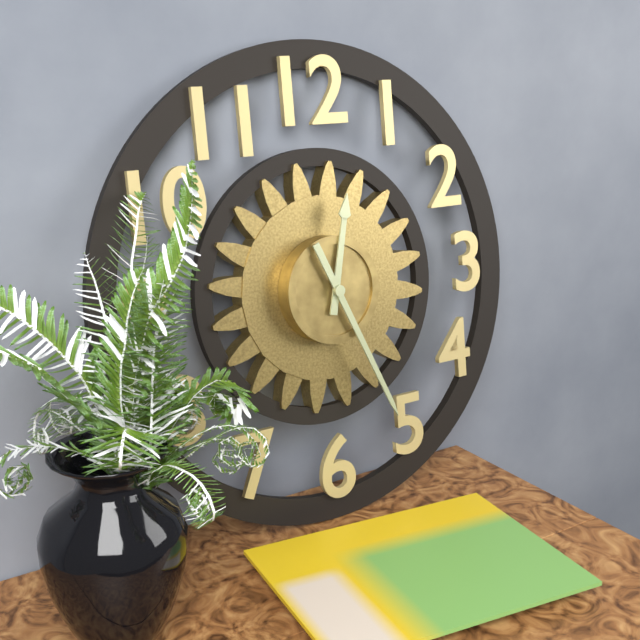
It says h=12 m=26
